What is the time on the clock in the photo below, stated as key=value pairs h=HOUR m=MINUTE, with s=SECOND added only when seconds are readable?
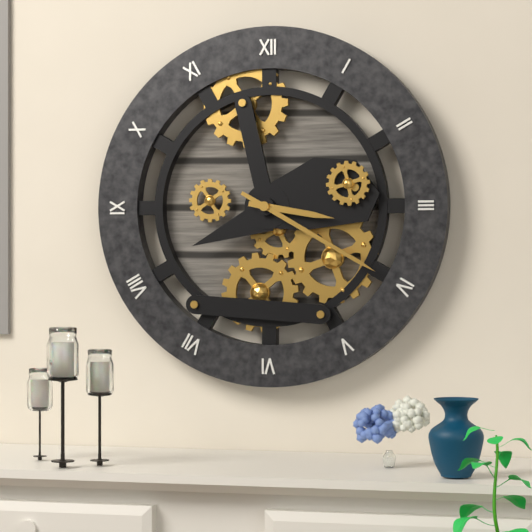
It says h=3 m=20
